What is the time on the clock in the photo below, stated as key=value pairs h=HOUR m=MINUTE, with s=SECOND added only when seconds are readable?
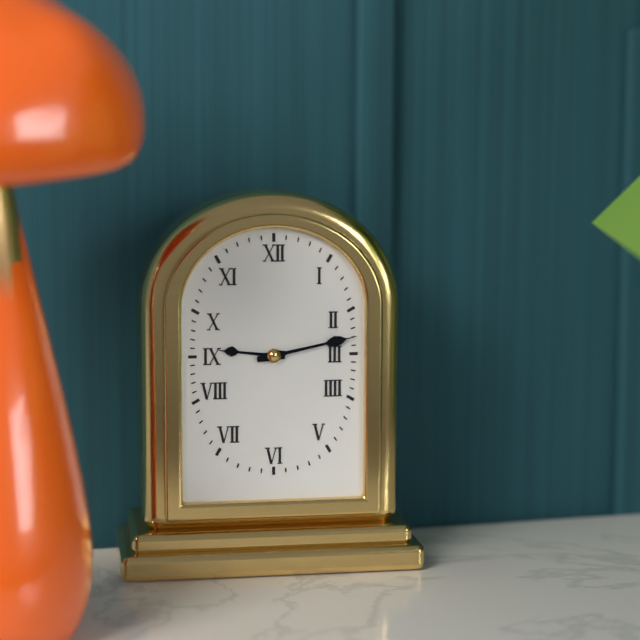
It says h=9 m=13
